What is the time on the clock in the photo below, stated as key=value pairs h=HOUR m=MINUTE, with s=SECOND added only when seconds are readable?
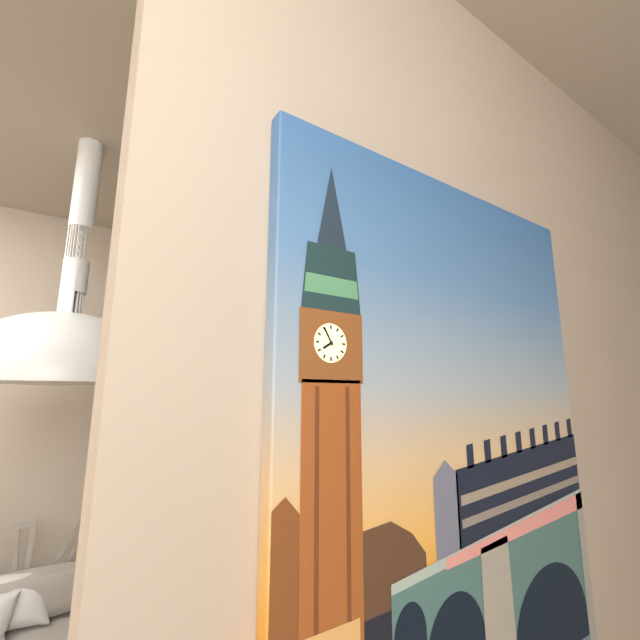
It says h=7 m=55
